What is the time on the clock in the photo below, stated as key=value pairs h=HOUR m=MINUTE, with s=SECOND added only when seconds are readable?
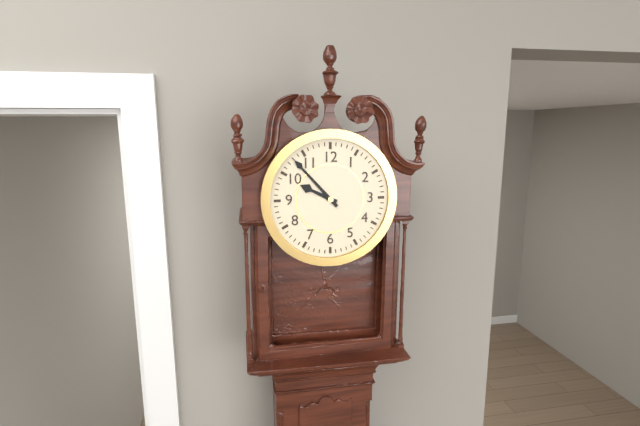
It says h=9 m=53
